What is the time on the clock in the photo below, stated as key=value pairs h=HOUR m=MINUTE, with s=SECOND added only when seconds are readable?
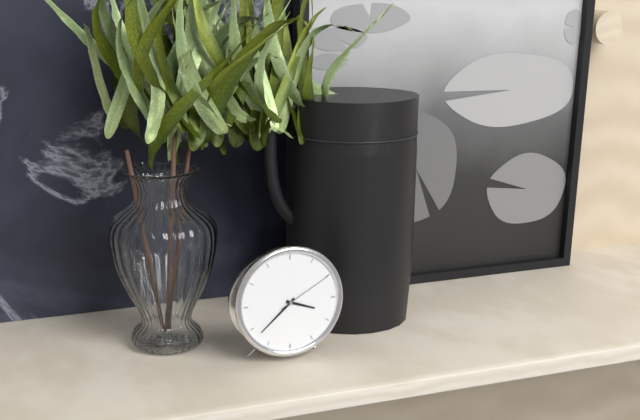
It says h=3 m=38 s=10
